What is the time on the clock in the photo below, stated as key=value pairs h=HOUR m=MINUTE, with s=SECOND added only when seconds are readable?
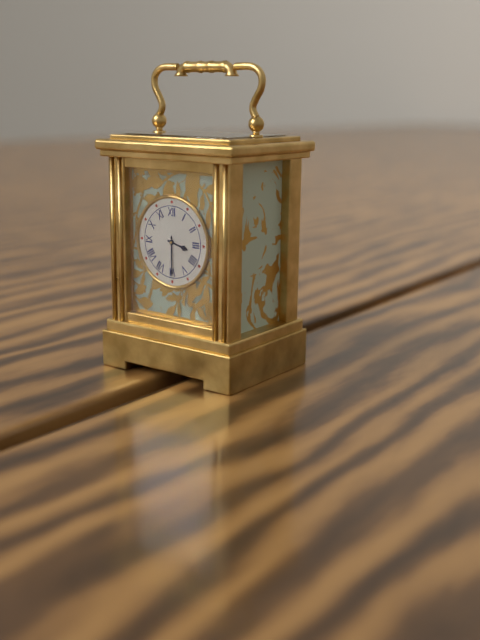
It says h=3 m=30
